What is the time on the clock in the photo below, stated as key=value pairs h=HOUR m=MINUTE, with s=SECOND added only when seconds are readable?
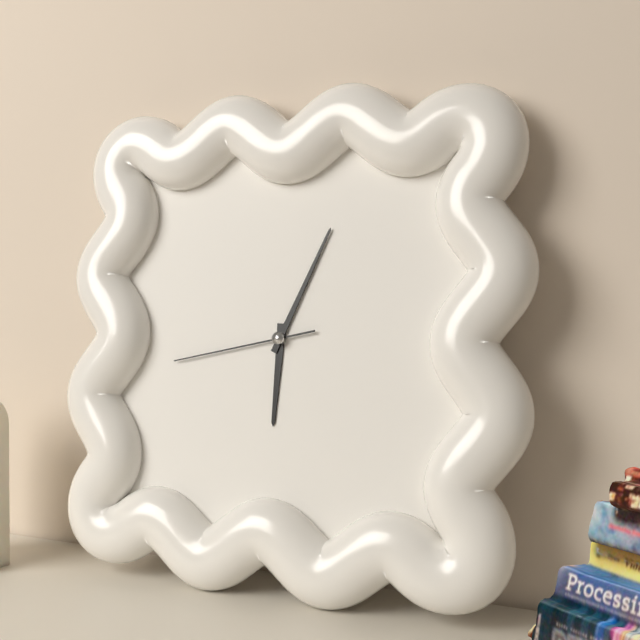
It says h=6 m=4 s=43
